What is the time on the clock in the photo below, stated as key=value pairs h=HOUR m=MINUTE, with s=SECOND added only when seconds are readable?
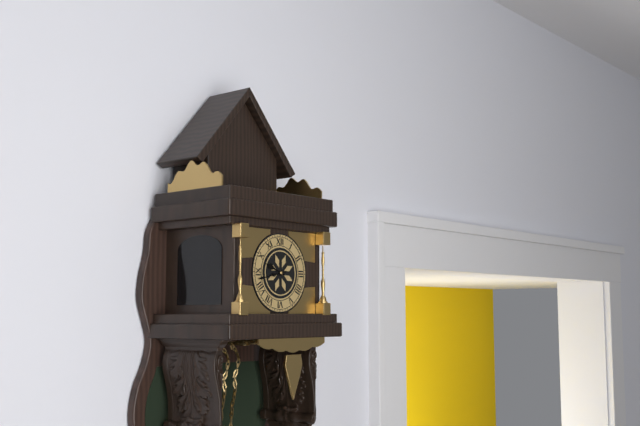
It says h=9 m=43
